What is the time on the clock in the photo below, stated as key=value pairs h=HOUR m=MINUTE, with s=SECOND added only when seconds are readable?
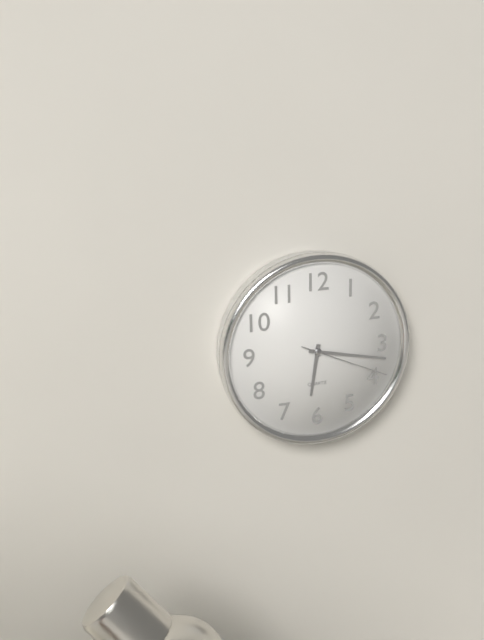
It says h=6 m=17 s=19
